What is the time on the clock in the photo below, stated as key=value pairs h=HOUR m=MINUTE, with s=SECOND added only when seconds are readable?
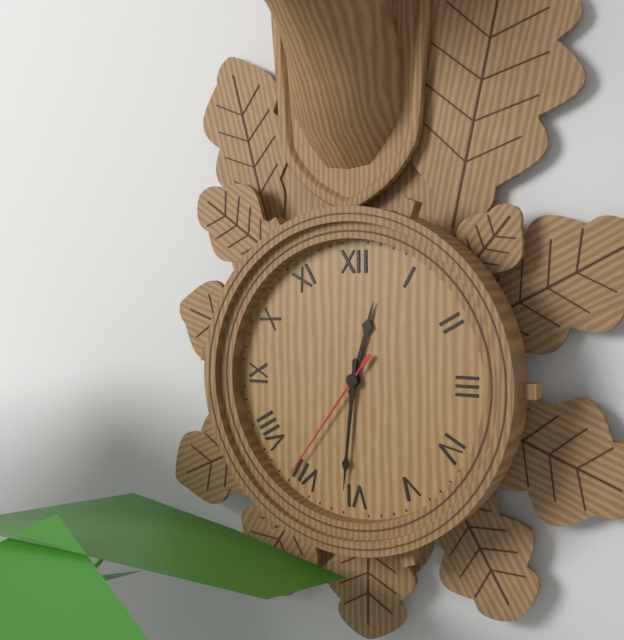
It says h=12 m=31 s=36
